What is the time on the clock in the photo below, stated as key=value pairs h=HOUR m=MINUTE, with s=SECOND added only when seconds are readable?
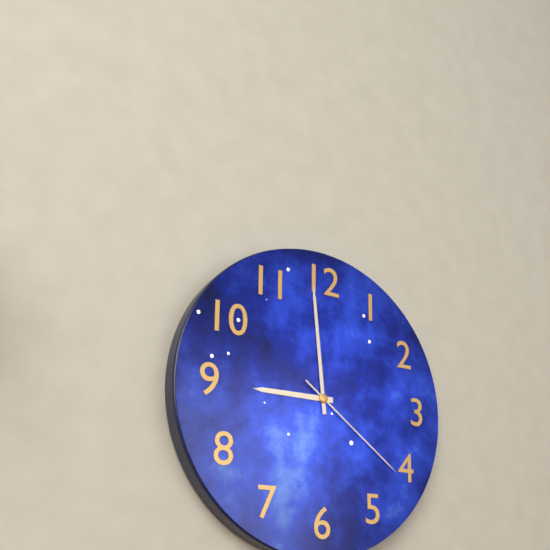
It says h=8 m=59 s=21
